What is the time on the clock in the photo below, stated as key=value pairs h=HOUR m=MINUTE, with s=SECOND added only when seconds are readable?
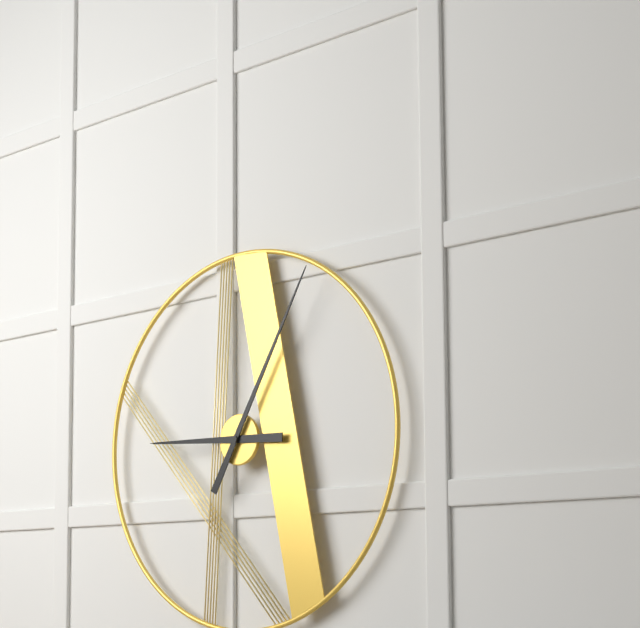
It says h=9 m=5
